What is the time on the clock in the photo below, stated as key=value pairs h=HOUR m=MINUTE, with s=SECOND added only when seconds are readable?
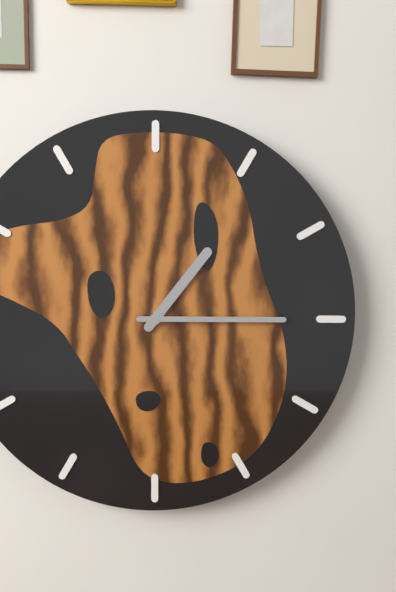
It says h=1 m=15
